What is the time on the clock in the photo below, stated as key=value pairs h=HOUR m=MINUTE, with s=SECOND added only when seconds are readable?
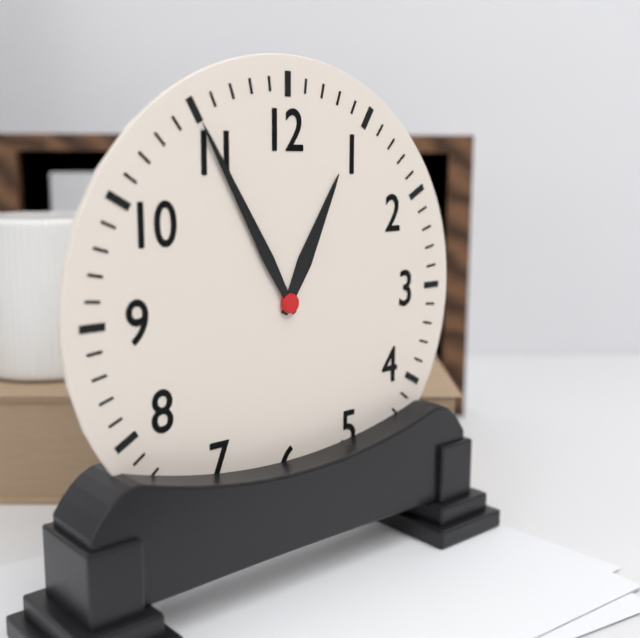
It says h=12 m=55
